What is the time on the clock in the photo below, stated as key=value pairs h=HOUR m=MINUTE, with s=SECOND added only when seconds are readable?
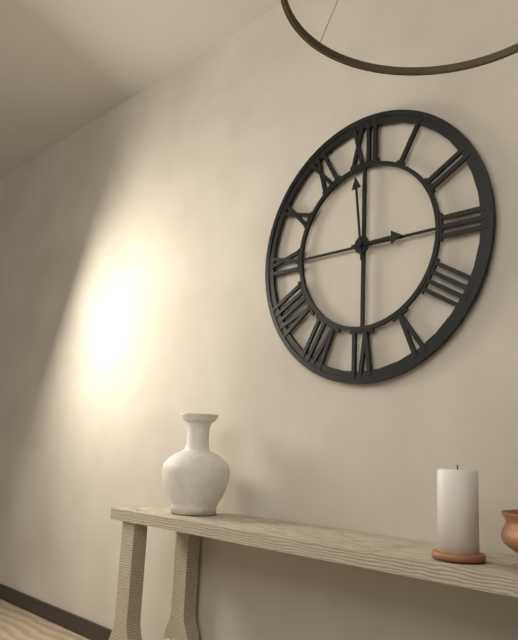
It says h=2 m=59
